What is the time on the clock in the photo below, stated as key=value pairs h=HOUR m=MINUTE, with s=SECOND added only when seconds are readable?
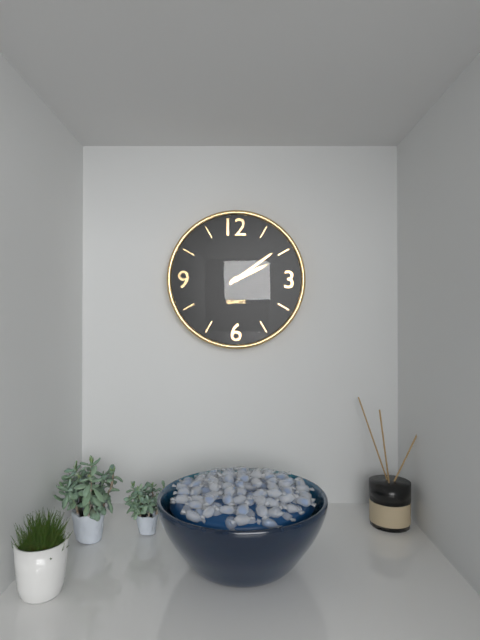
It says h=2 m=9
